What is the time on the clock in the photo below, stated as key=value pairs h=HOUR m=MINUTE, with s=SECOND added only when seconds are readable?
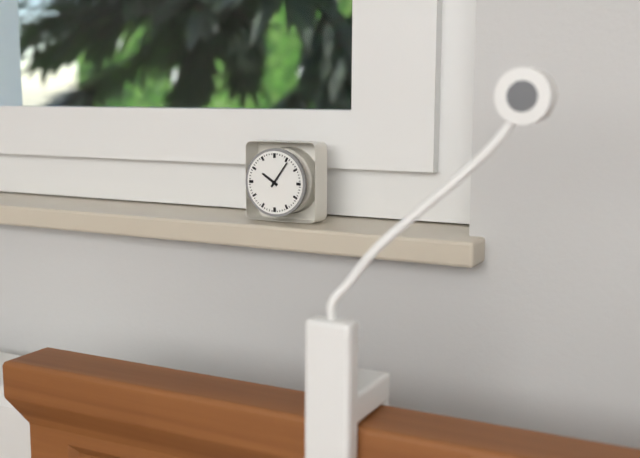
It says h=10 m=6
